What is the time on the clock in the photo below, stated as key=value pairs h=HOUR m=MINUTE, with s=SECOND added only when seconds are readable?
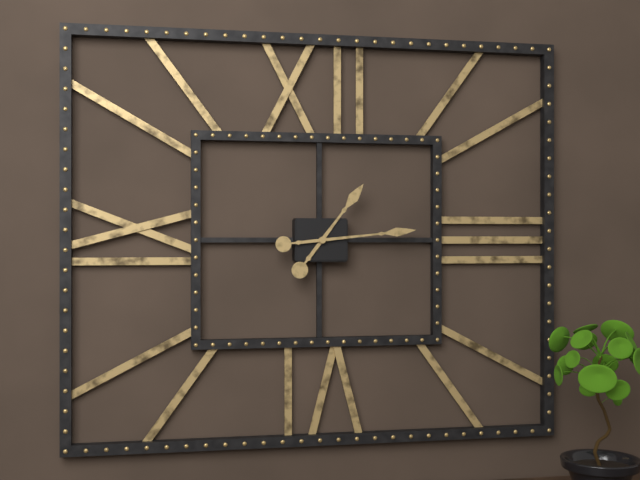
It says h=1 m=14
